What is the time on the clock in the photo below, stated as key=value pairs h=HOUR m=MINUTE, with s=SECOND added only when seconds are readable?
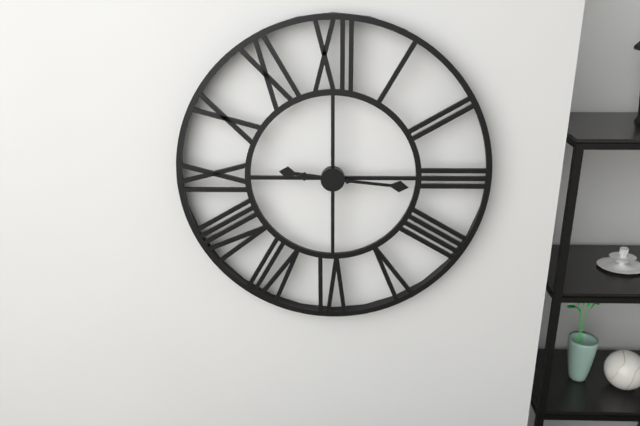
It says h=9 m=16
